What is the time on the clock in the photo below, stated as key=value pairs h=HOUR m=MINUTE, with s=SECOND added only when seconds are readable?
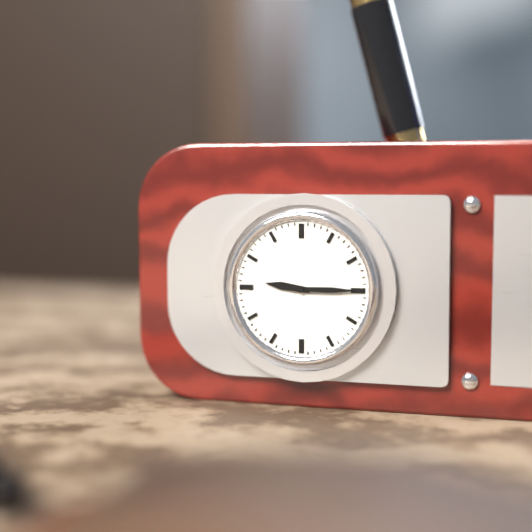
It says h=9 m=15
